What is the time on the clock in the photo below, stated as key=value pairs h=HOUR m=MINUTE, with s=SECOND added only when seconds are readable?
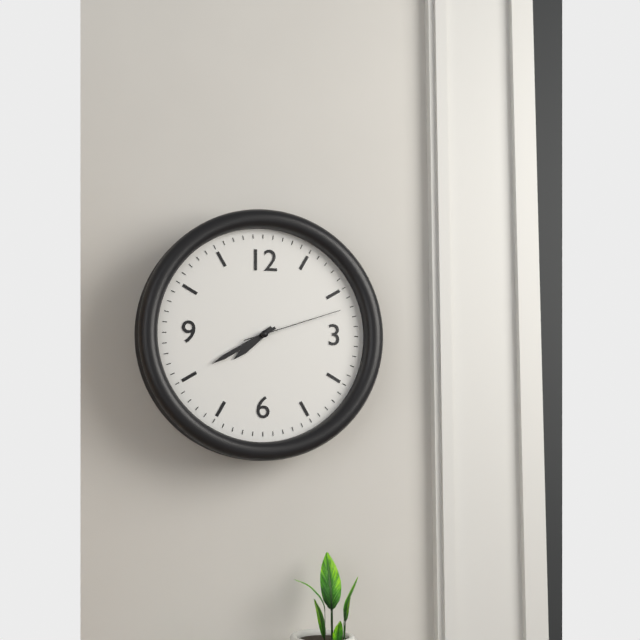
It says h=7 m=40 s=12
